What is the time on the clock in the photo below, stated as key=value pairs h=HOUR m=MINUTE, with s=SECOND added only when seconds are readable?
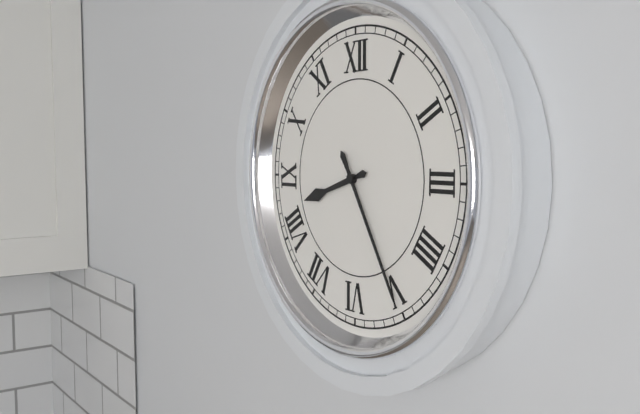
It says h=8 m=25
